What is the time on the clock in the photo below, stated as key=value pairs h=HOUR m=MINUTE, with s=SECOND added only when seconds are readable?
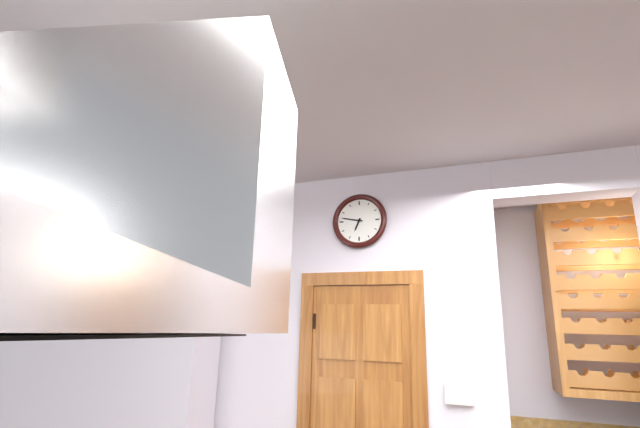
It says h=6 m=47
